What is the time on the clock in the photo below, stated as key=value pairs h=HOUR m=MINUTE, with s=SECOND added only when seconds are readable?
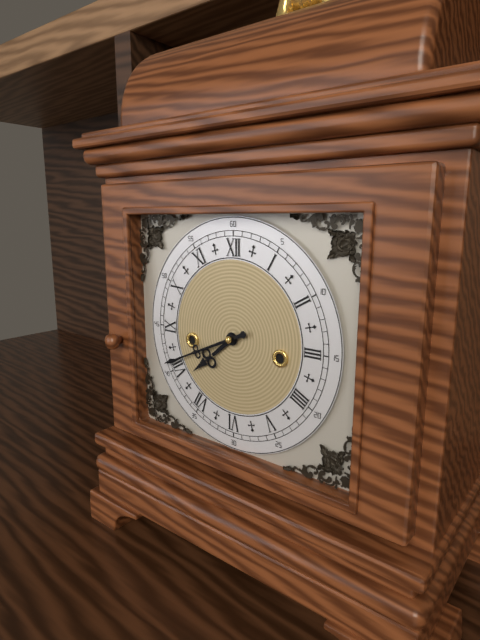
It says h=7 m=41
